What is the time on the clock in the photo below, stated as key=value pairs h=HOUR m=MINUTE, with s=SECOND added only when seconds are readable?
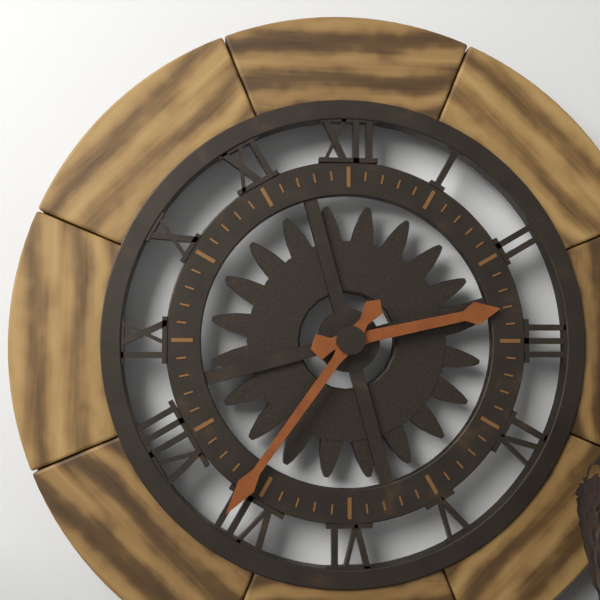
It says h=2 m=36
